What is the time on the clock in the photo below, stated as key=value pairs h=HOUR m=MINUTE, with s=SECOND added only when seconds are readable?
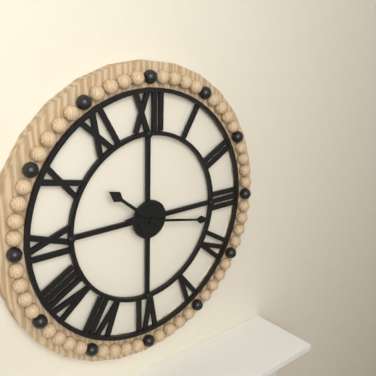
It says h=10 m=17
